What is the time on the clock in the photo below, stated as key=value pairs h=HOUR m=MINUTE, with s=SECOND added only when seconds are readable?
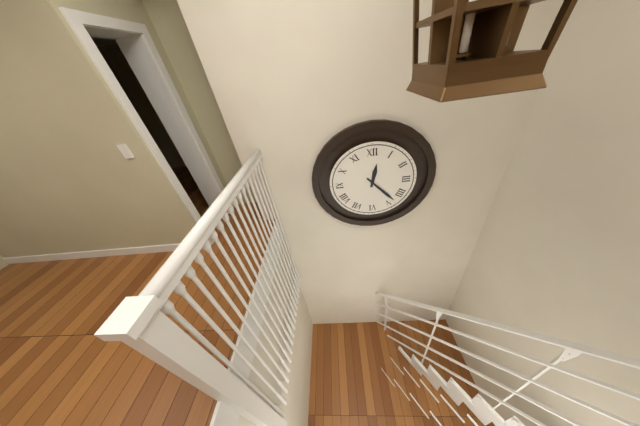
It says h=12 m=23
